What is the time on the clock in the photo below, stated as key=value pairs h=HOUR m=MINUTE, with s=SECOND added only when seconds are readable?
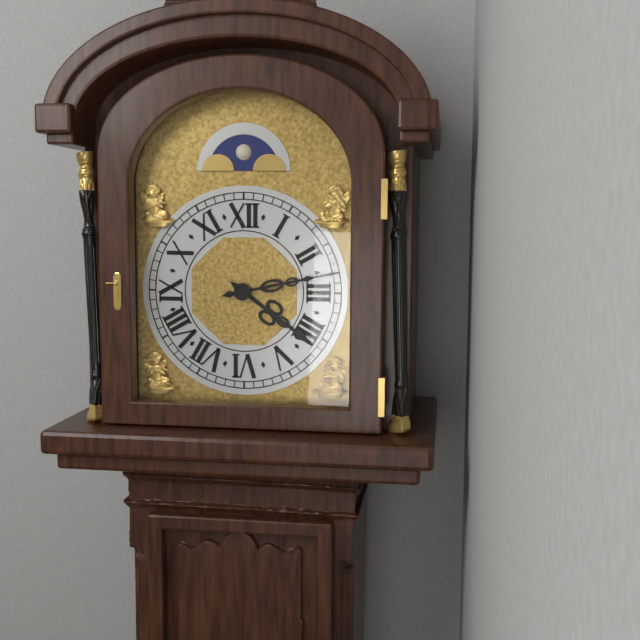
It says h=4 m=13
